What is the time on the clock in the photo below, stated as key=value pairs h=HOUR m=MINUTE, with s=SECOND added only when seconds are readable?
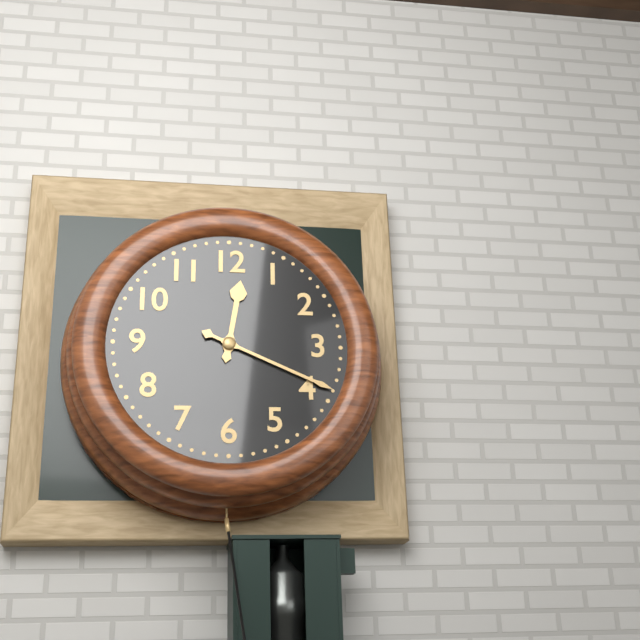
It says h=12 m=19
